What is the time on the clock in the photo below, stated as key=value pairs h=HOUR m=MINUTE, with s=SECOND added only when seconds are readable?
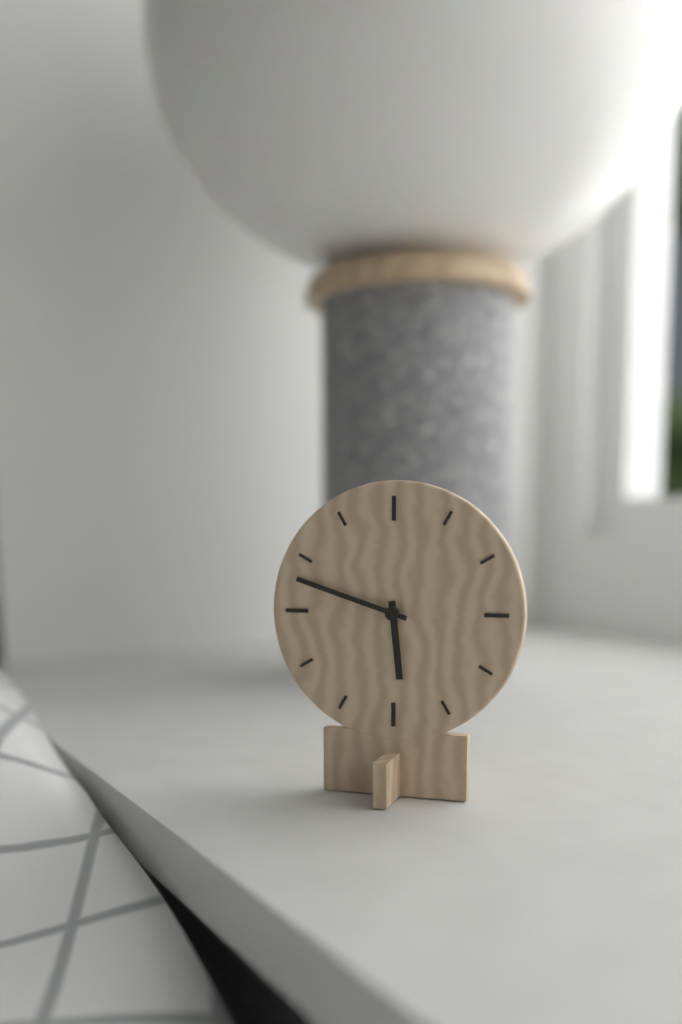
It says h=5 m=48
